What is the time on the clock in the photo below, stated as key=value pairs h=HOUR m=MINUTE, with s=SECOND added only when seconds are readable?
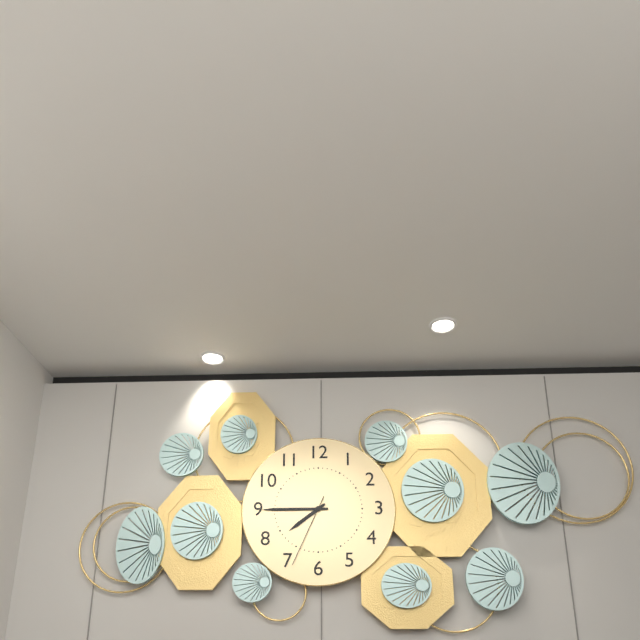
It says h=7 m=45 s=34
